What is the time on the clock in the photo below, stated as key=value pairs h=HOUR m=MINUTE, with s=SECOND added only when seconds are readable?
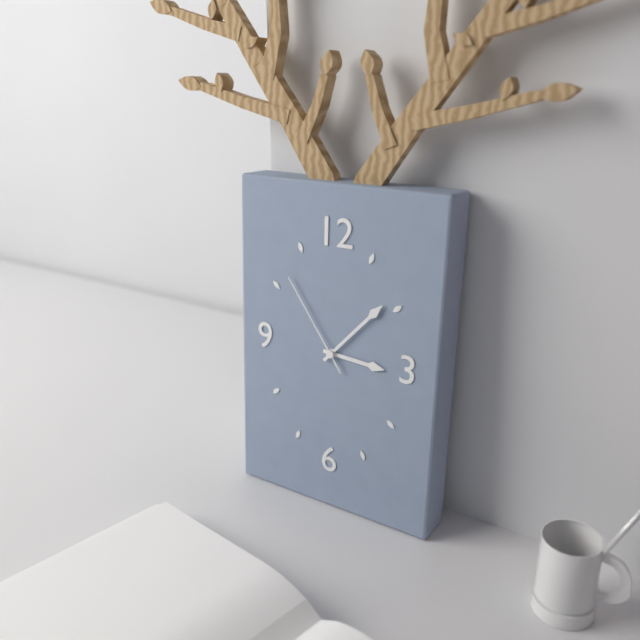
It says h=3 m=7 s=54
